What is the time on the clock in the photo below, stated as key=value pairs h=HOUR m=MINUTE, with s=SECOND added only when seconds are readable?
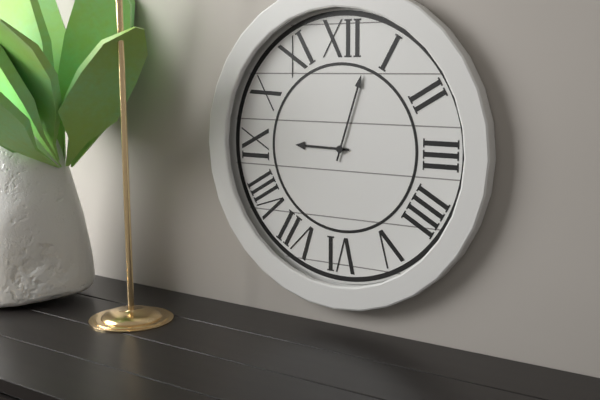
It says h=9 m=3
